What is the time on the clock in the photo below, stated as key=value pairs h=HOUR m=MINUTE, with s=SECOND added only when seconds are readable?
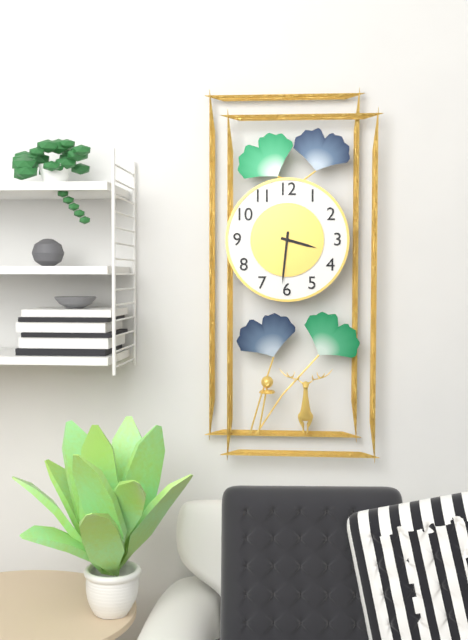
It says h=3 m=31
